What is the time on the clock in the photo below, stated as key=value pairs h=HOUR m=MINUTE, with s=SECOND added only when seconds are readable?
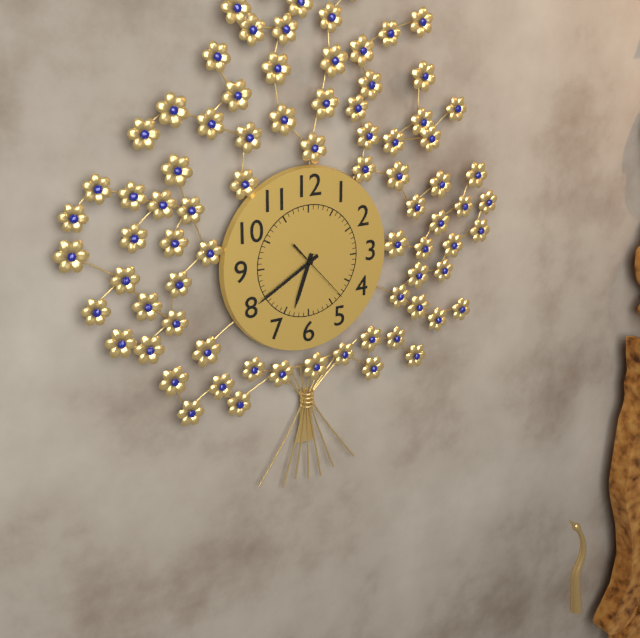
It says h=6 m=40 s=23
